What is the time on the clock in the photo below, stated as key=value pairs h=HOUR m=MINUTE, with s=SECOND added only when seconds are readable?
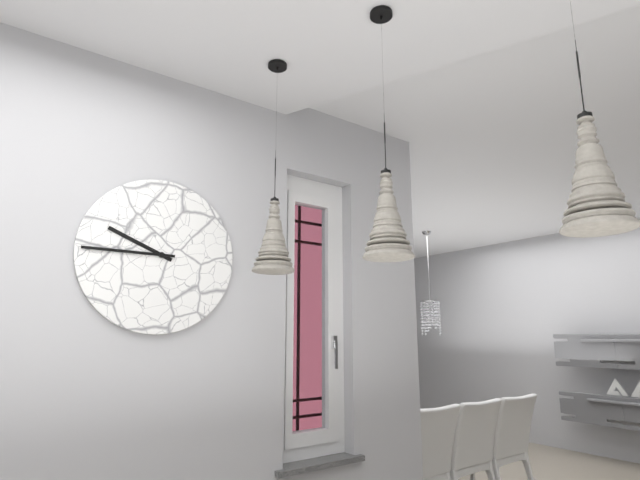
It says h=9 m=45
